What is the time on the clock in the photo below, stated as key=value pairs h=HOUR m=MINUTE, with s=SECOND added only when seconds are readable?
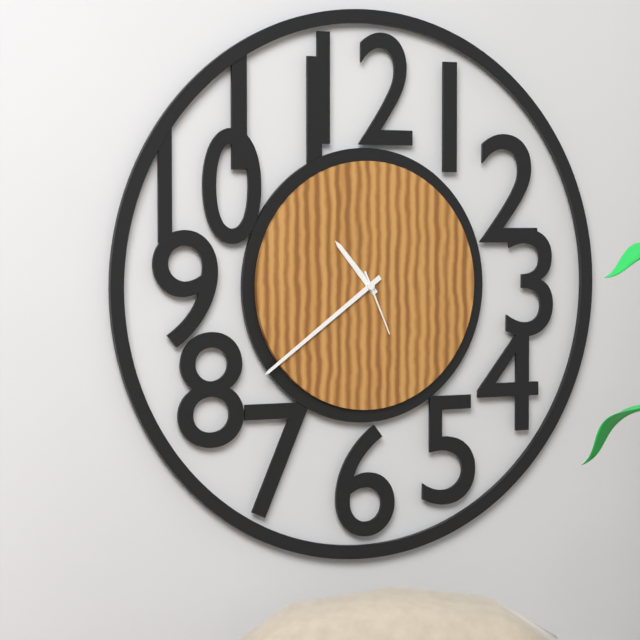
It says h=10 m=39 s=26
